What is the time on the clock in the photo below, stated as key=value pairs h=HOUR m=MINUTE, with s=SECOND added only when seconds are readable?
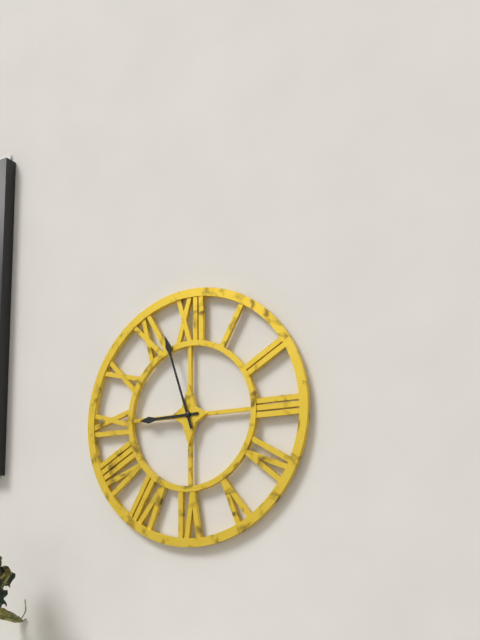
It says h=8 m=57
